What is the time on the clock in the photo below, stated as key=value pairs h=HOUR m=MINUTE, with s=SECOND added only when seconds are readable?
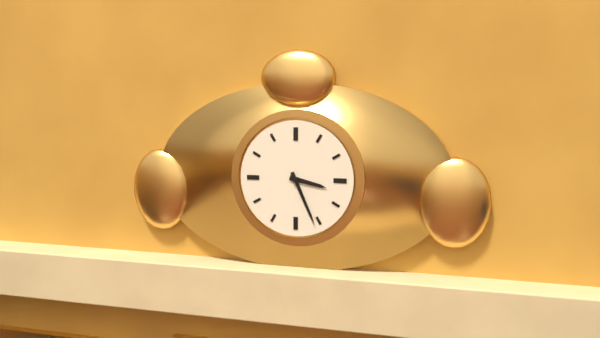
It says h=3 m=26
